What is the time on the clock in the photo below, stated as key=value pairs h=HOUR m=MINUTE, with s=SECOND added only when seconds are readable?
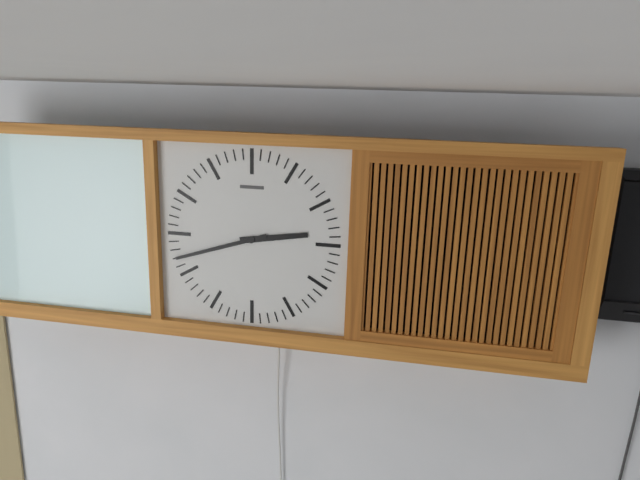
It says h=2 m=42
